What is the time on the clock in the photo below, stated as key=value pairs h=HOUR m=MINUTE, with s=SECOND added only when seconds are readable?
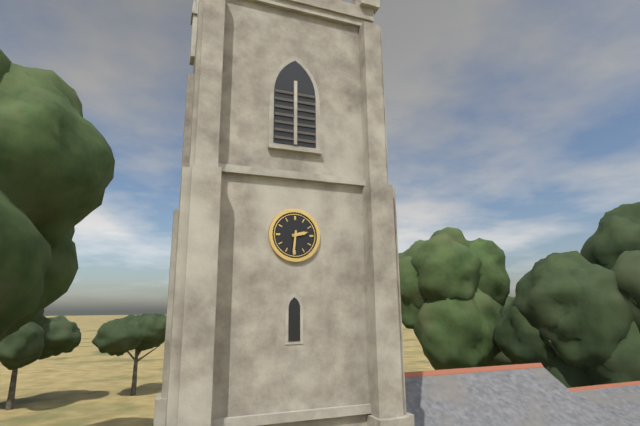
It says h=2 m=31
